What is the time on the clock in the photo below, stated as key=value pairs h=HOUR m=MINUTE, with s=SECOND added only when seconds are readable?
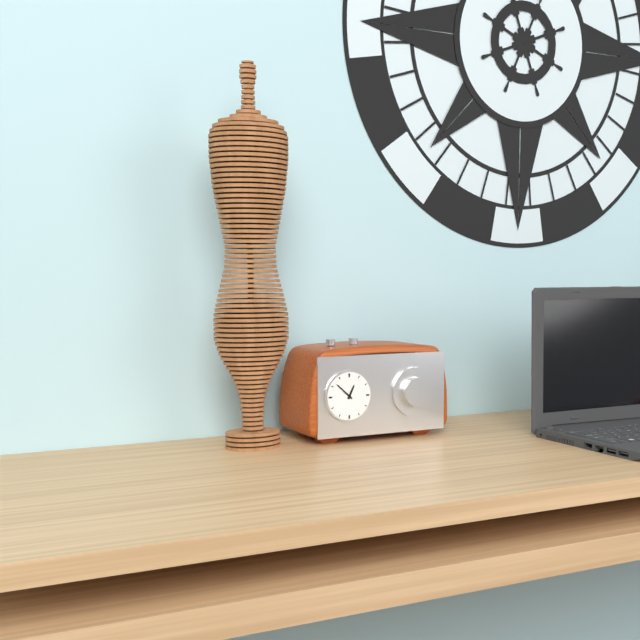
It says h=12 m=52
